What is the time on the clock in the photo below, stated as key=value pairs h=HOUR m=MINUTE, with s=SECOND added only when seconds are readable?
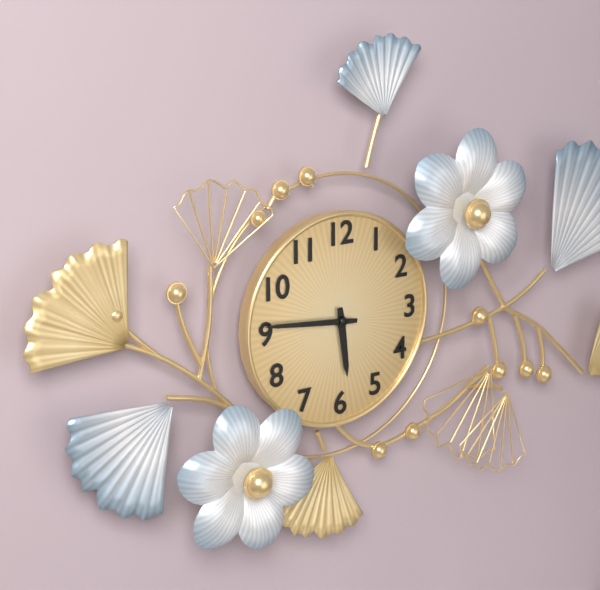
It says h=5 m=46
